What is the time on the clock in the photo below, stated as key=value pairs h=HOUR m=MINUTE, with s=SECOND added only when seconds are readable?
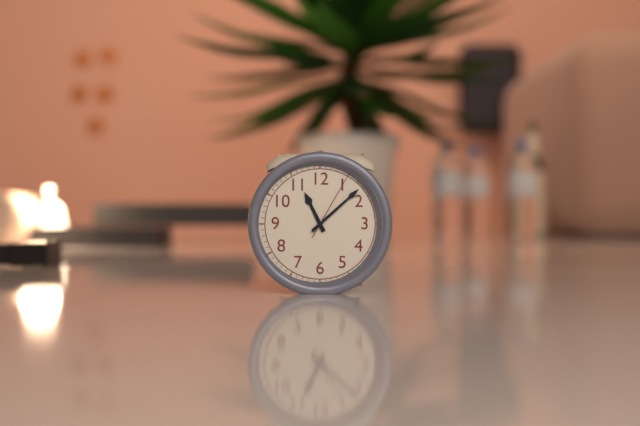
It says h=11 m=8 s=5
